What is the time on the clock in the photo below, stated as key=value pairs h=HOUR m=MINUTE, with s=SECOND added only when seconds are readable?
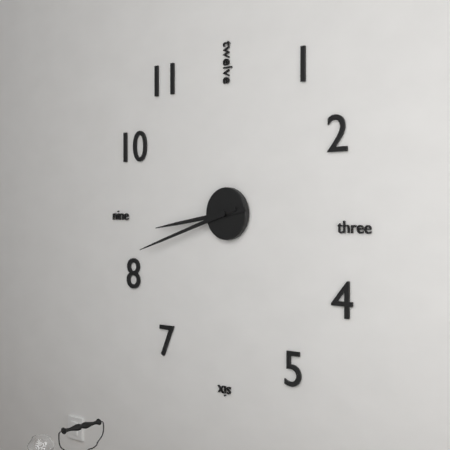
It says h=8 m=42
